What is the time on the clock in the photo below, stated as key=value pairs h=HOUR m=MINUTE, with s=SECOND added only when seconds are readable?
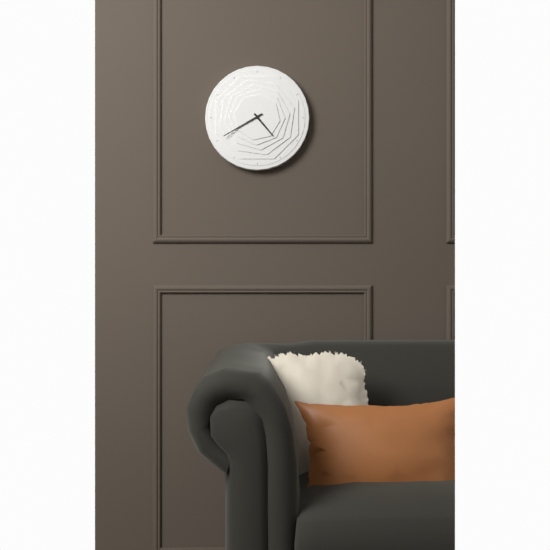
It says h=4 m=40
